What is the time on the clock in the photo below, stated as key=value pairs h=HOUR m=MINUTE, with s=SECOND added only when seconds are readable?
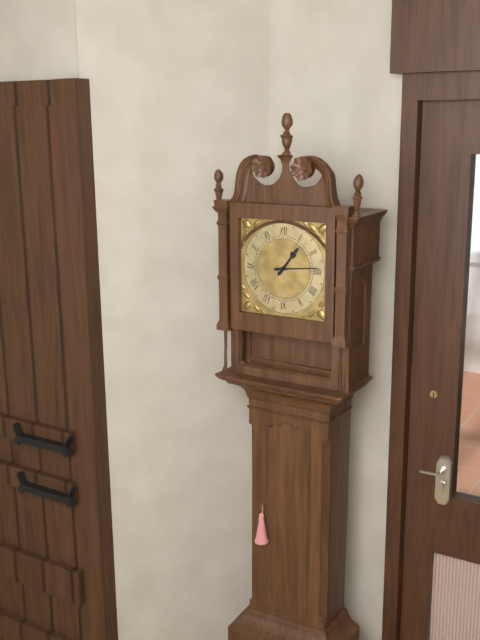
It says h=1 m=14
